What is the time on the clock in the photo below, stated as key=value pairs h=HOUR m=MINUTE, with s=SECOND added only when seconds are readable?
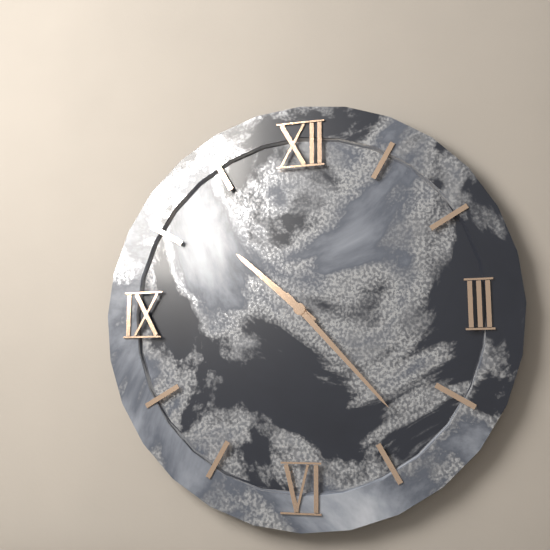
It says h=10 m=23
